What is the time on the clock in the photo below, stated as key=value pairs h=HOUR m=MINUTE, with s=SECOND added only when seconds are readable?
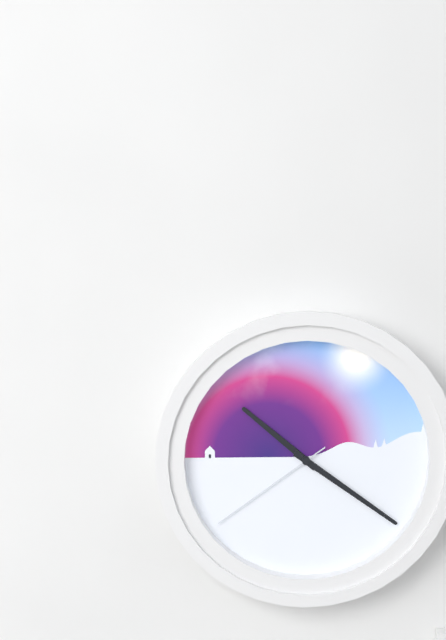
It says h=10 m=21 s=39
